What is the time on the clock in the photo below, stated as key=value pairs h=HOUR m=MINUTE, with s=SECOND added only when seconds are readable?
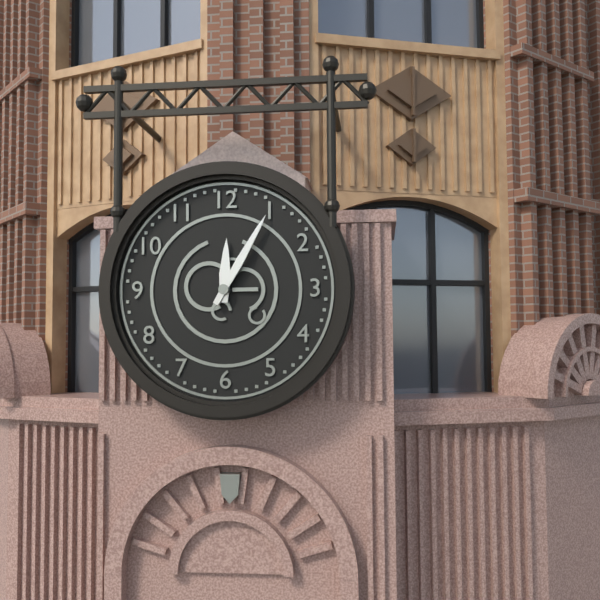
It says h=12 m=5
